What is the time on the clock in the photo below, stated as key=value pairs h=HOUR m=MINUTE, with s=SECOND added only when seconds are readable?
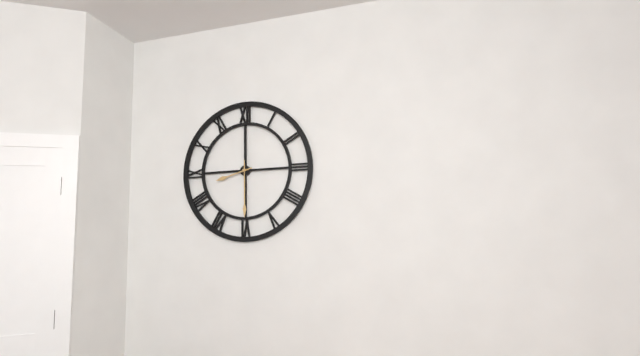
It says h=8 m=30
